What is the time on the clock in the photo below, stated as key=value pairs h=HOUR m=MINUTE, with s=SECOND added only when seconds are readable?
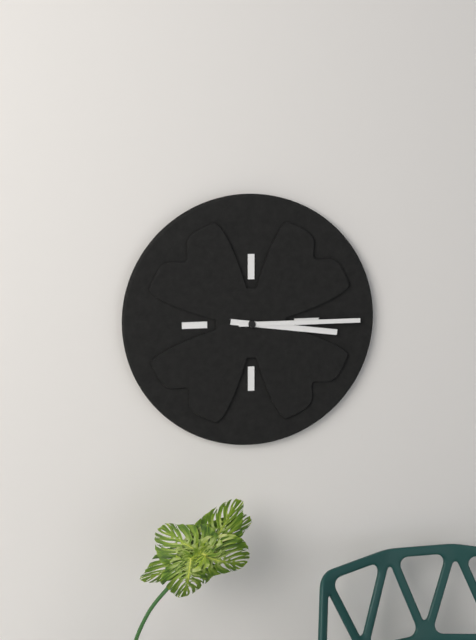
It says h=3 m=15
